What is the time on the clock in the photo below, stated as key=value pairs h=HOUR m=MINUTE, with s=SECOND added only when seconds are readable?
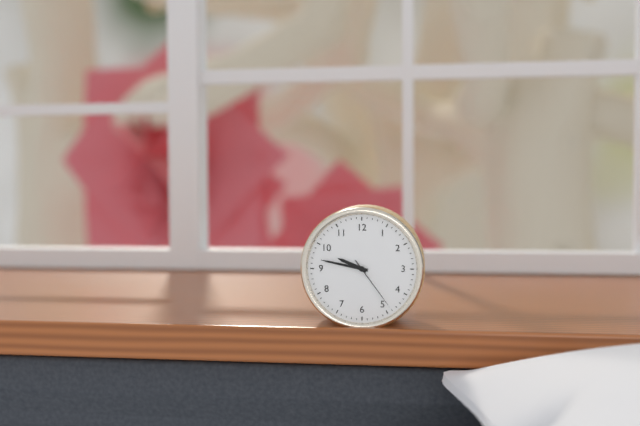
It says h=9 m=47 s=24
